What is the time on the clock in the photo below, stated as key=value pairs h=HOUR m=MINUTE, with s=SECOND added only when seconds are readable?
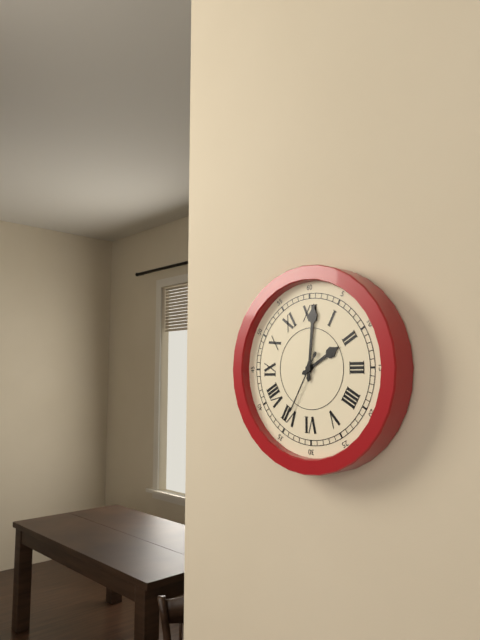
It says h=2 m=1 s=35
